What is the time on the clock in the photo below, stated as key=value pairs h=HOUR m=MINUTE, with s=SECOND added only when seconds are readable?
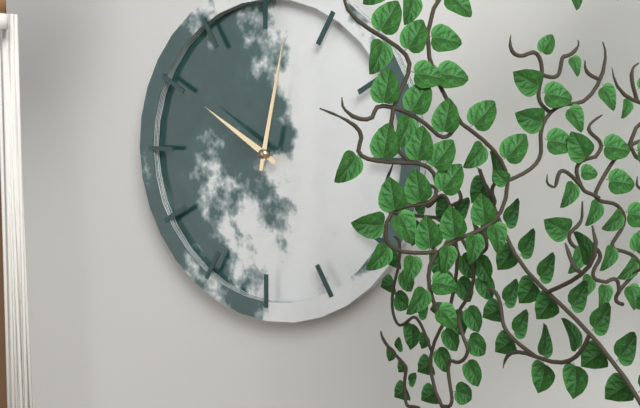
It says h=10 m=2
